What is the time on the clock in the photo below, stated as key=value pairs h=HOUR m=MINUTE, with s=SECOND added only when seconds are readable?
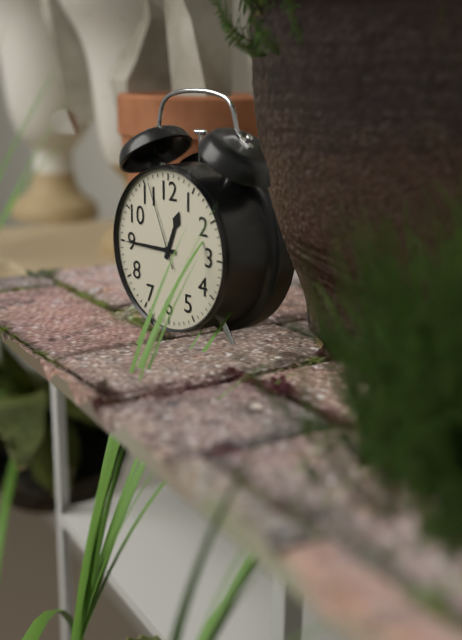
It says h=12 m=45 s=56
